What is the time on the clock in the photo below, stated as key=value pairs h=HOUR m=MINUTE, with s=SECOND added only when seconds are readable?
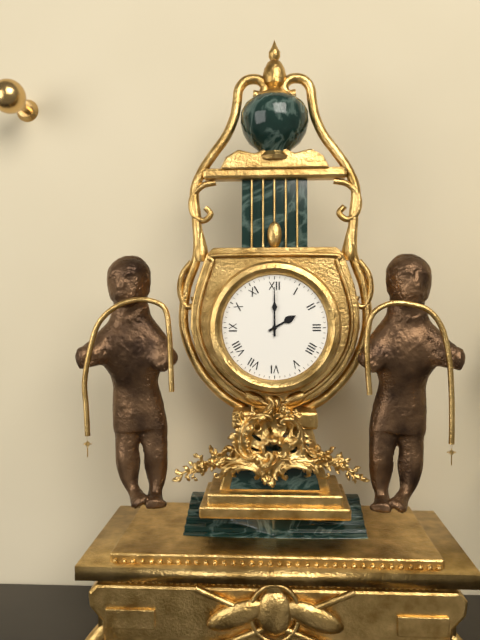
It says h=2 m=0
